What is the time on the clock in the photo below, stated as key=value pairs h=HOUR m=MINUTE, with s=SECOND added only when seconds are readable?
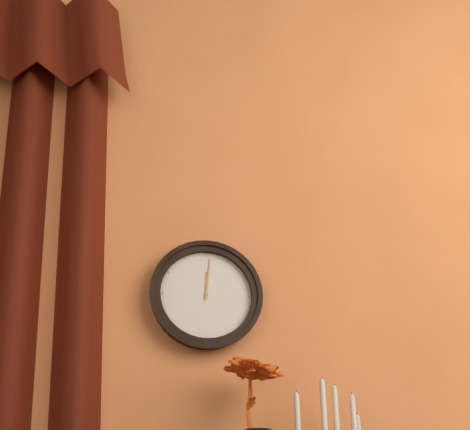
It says h=12 m=1
